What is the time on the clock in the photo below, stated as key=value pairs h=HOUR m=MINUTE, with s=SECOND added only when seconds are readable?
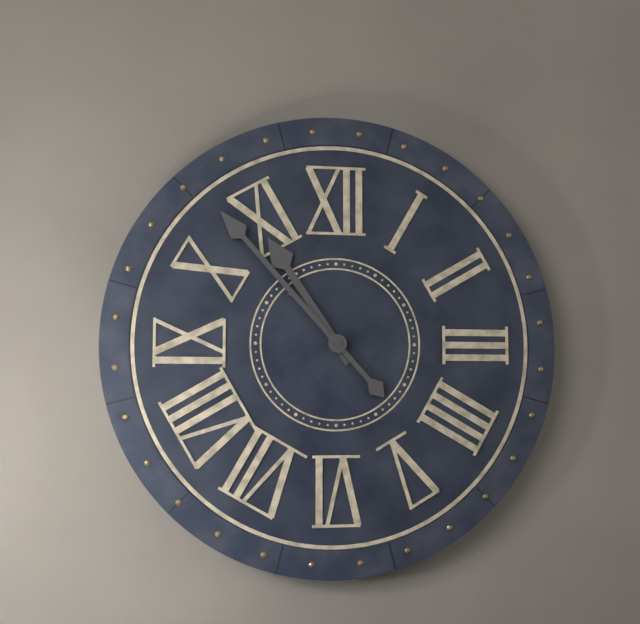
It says h=10 m=53
